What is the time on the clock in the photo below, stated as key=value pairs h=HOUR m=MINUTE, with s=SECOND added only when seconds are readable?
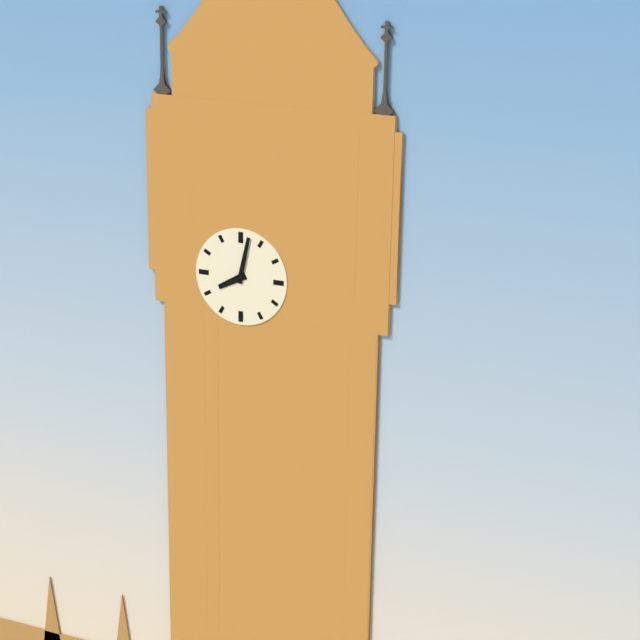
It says h=8 m=2
